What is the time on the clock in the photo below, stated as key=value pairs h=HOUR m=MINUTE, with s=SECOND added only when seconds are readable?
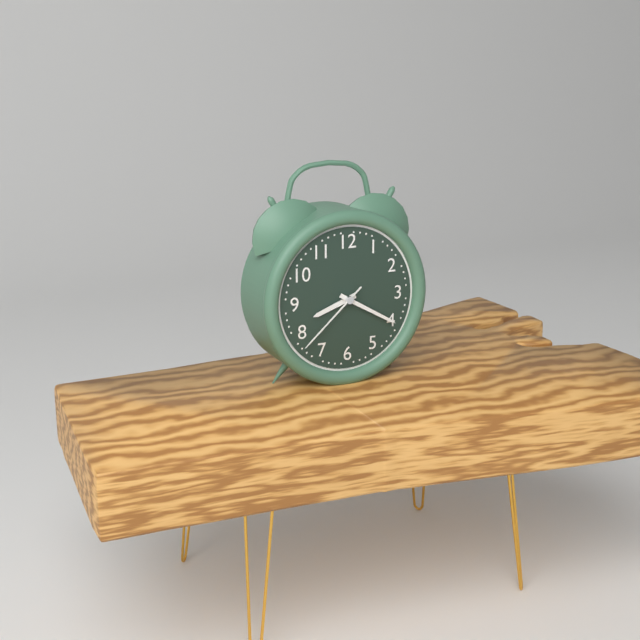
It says h=8 m=20 s=38
